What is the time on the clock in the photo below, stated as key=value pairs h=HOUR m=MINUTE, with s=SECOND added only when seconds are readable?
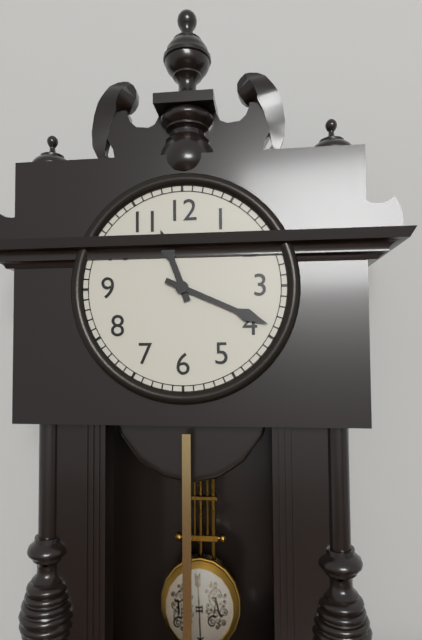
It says h=11 m=19
